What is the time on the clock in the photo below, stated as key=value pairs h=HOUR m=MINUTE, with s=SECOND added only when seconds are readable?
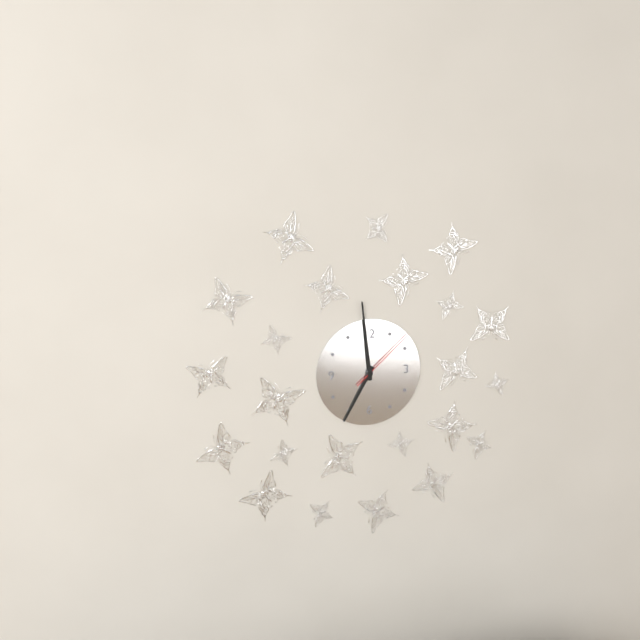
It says h=6 m=59 s=8
